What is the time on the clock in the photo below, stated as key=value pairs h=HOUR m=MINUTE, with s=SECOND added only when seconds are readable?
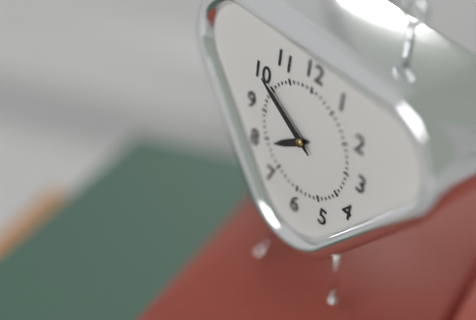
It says h=7 m=50
